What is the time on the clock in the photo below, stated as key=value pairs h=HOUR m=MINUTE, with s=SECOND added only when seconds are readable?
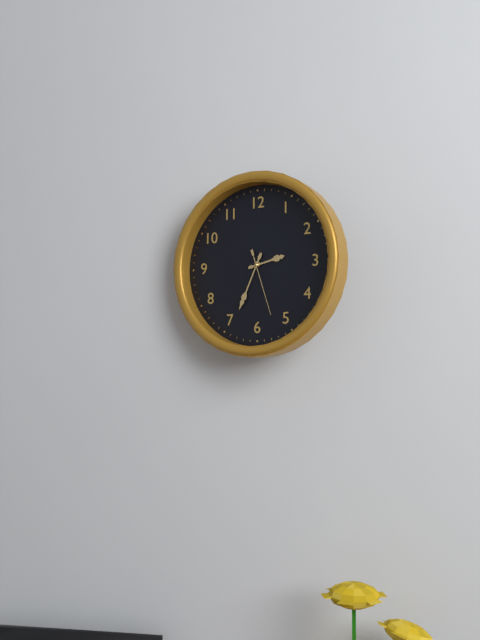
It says h=2 m=34 s=27
